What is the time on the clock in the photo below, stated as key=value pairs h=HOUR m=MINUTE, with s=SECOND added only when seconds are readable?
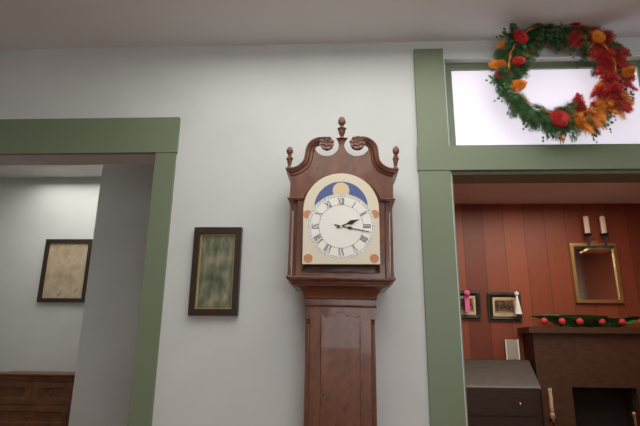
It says h=2 m=17
